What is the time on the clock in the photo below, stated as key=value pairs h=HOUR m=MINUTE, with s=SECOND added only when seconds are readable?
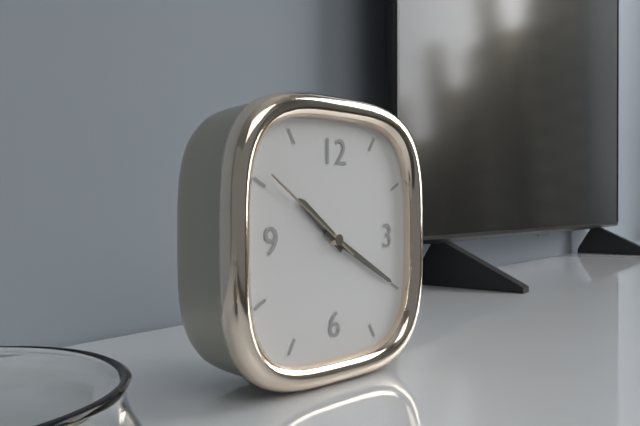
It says h=10 m=20 s=51
